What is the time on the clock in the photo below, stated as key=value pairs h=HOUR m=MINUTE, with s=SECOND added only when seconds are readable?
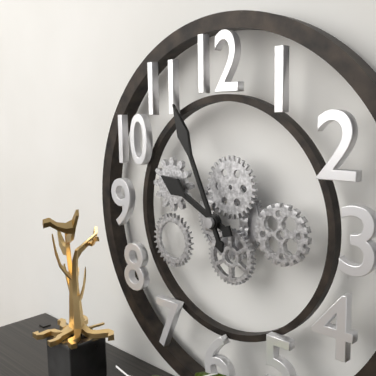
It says h=9 m=56
